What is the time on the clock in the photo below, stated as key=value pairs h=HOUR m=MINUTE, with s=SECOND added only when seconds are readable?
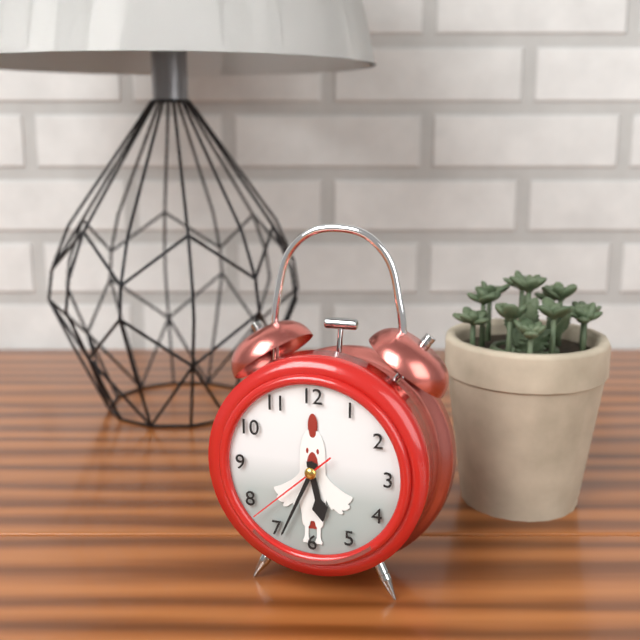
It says h=5 m=34 s=38
